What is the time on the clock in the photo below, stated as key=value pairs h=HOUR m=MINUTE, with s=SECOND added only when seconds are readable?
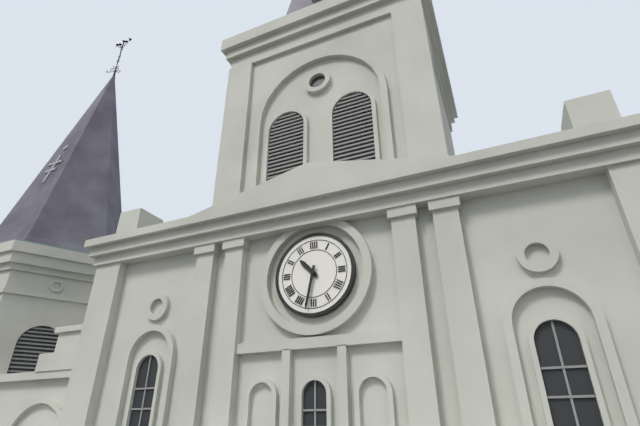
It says h=10 m=32
